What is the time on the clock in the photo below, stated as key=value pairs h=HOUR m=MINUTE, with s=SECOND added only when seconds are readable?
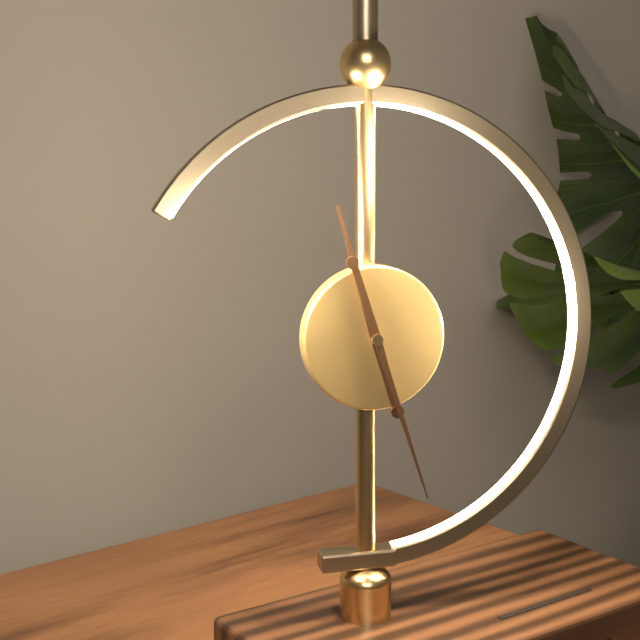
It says h=11 m=27
